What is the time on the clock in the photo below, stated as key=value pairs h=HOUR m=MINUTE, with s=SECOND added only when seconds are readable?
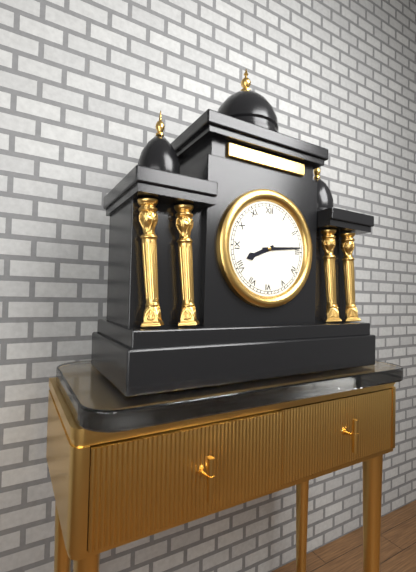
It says h=8 m=14
